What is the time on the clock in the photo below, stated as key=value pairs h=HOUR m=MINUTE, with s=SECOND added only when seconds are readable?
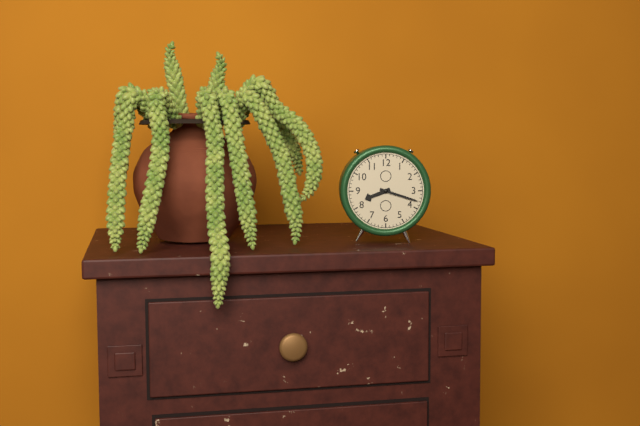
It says h=8 m=18
